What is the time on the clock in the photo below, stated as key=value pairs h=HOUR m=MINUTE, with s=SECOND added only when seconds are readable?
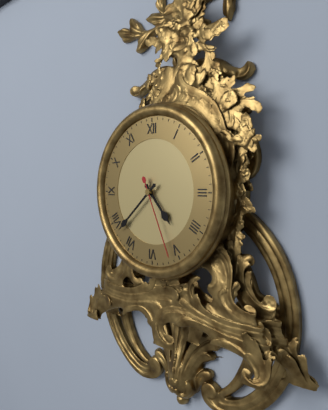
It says h=4 m=38 s=26
